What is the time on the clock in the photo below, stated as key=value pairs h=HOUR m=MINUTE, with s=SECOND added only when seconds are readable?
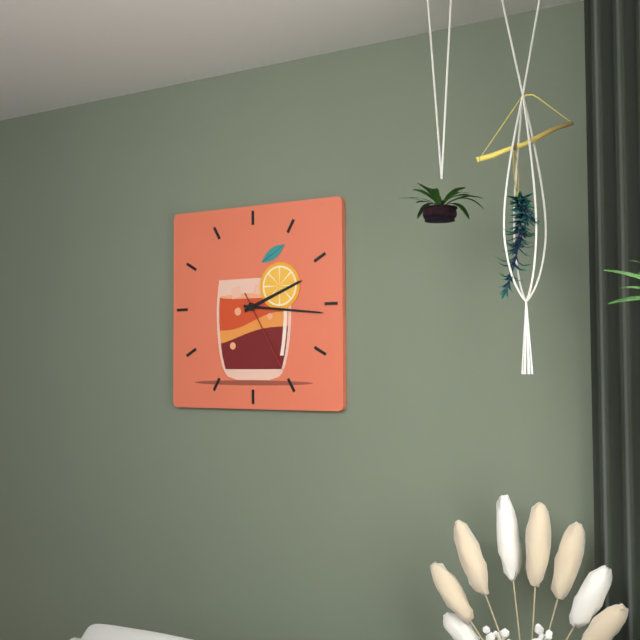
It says h=2 m=16 s=25
